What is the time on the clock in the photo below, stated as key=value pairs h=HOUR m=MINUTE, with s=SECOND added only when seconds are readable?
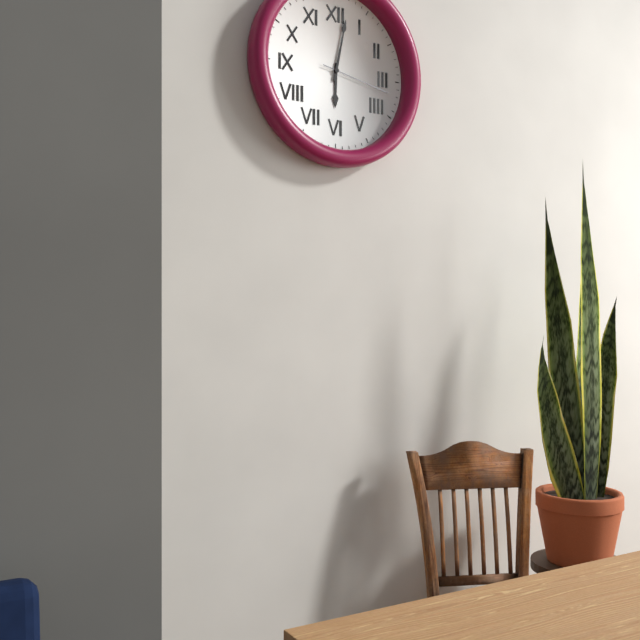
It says h=6 m=2 s=17
